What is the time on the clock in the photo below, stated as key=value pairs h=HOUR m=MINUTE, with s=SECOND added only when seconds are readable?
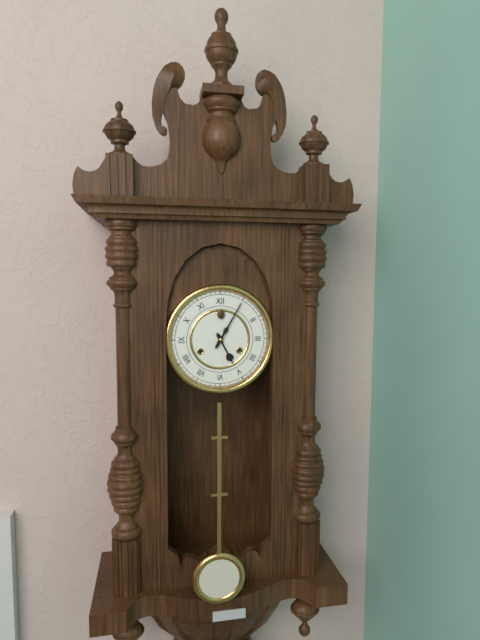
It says h=5 m=5
